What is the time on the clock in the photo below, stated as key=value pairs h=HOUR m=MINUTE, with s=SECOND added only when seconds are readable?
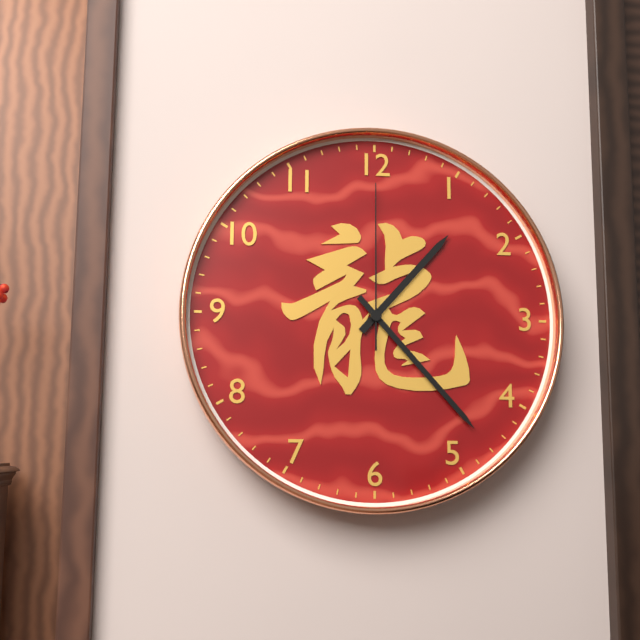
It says h=1 m=23 s=0
